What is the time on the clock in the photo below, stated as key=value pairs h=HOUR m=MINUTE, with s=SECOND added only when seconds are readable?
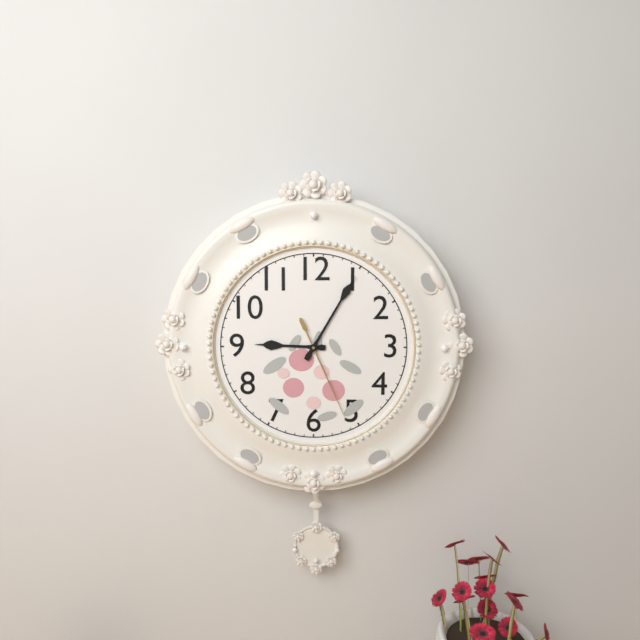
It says h=9 m=5 s=26
